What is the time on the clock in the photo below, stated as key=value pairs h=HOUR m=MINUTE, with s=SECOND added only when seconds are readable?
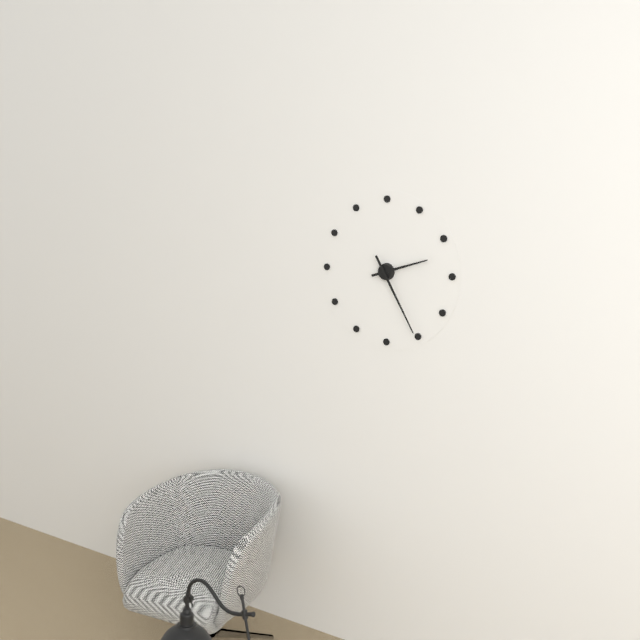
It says h=2 m=25
